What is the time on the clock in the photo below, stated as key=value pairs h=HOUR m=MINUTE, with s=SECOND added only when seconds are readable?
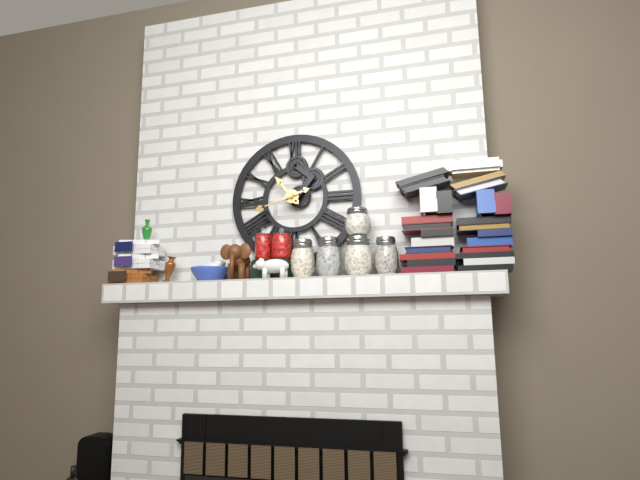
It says h=10 m=42
